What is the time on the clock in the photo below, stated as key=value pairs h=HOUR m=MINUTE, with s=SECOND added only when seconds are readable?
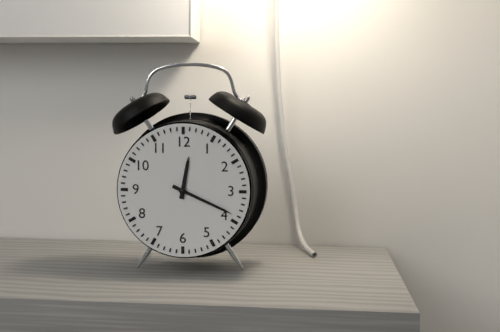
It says h=12 m=19
